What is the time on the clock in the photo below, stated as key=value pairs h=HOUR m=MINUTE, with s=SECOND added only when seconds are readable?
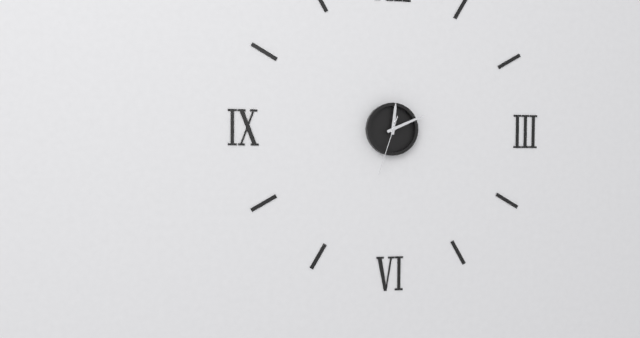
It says h=12 m=11 s=33
